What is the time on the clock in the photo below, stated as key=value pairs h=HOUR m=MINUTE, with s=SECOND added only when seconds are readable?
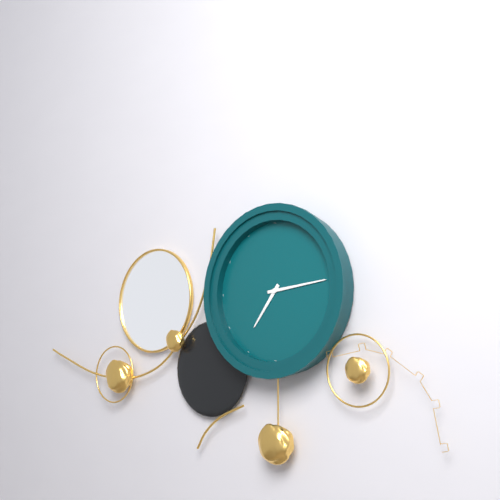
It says h=7 m=14
